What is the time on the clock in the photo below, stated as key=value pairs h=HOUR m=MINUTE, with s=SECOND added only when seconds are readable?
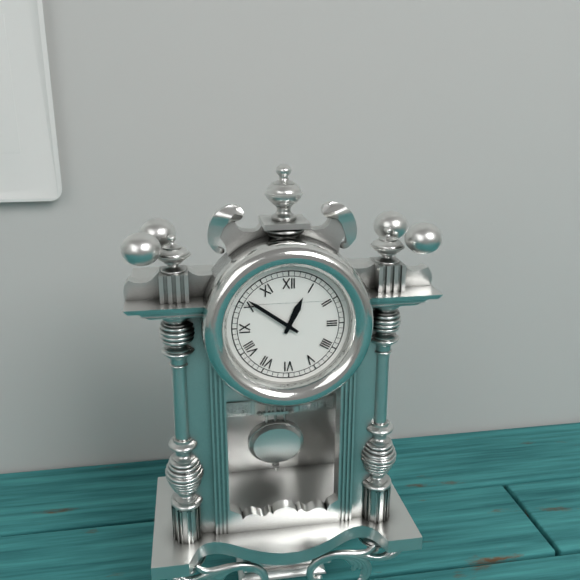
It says h=12 m=51
